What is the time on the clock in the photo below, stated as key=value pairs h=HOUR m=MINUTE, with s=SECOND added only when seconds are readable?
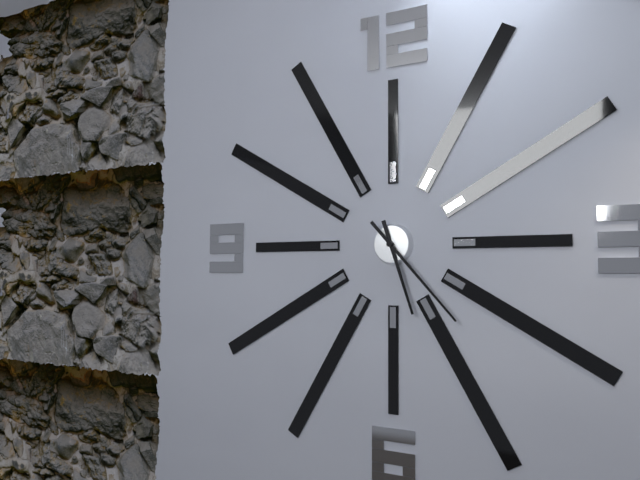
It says h=5 m=23
